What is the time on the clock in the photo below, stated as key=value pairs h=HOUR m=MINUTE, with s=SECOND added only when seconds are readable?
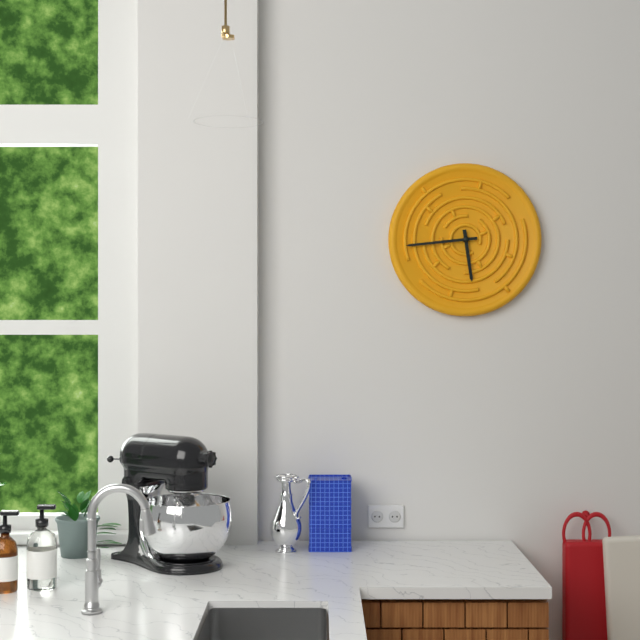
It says h=5 m=44
